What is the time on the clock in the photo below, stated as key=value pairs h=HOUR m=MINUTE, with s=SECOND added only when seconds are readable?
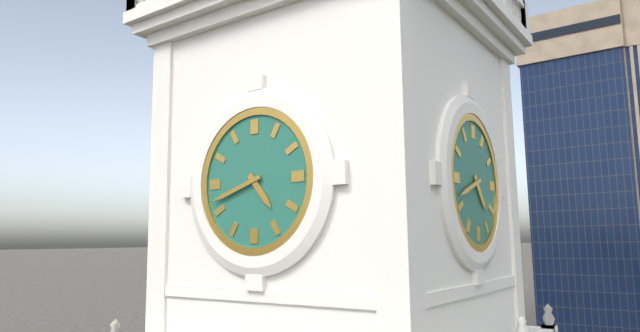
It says h=4 m=42
